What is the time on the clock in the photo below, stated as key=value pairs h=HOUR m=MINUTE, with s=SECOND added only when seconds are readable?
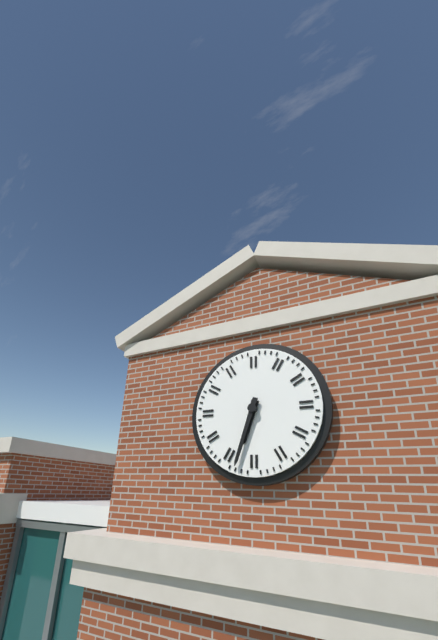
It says h=6 m=33
